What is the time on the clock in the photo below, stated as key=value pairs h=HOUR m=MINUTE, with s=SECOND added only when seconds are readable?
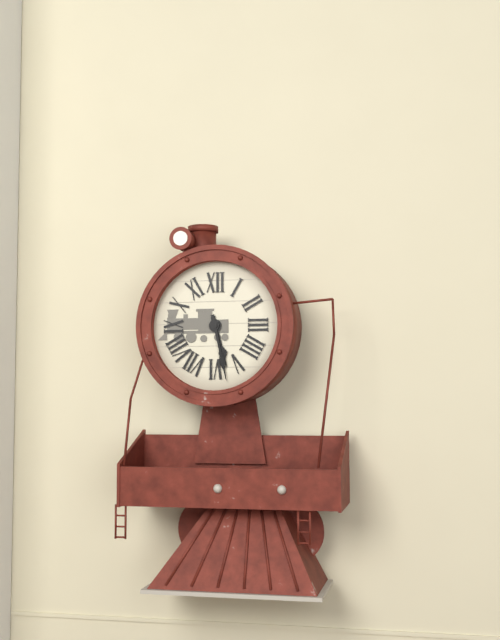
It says h=5 m=28
